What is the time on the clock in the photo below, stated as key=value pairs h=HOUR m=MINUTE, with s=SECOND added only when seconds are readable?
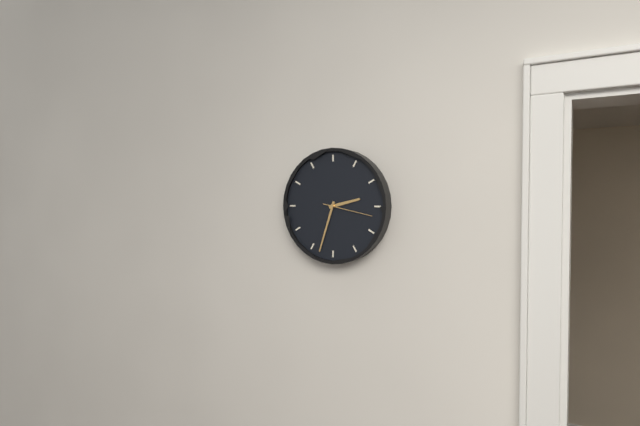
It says h=2 m=33
